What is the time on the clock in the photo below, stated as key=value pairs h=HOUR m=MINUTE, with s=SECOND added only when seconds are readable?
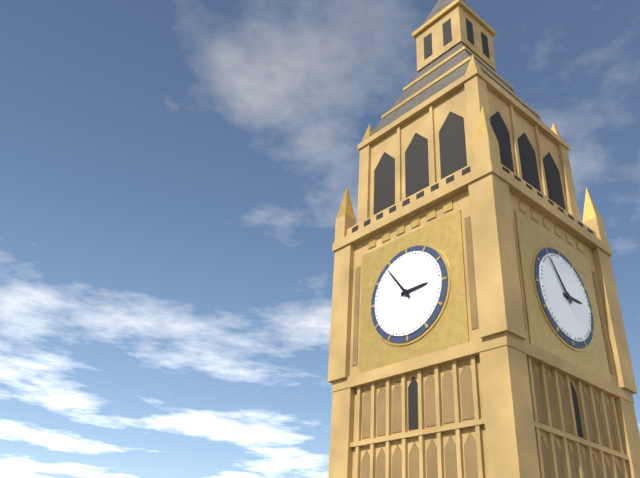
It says h=2 m=54
